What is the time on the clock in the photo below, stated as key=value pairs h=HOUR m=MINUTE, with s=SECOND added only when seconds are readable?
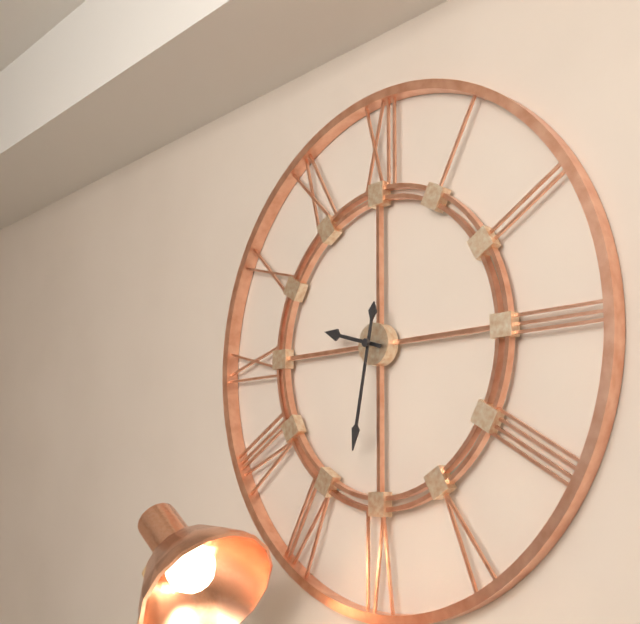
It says h=9 m=32
